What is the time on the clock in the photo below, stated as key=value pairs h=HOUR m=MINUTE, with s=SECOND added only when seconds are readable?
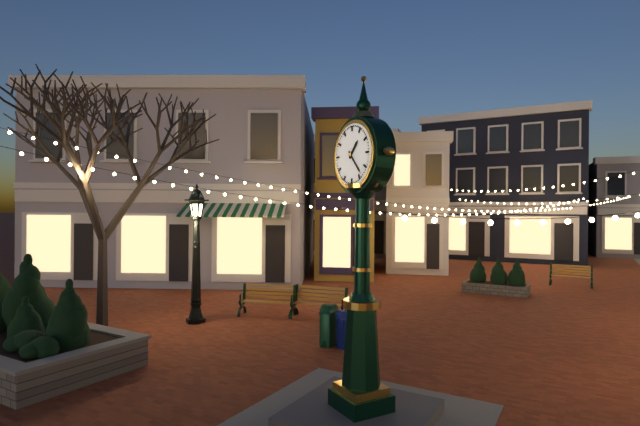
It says h=1 m=23
